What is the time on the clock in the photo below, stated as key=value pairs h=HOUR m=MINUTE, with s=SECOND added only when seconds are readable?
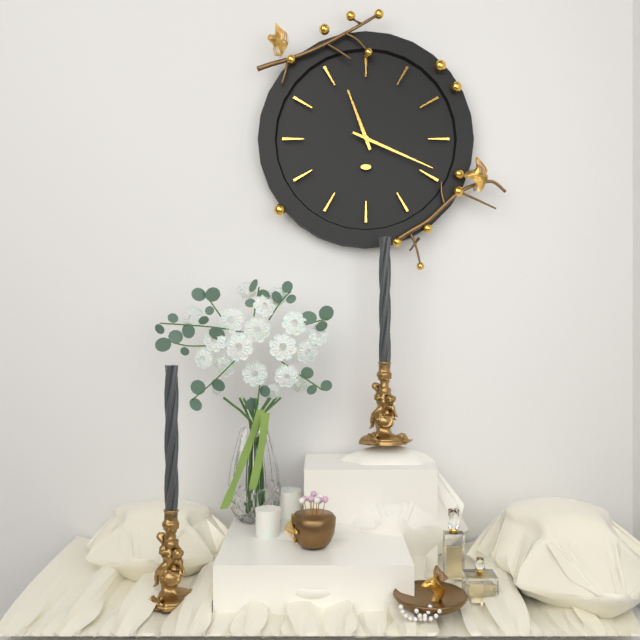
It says h=11 m=19
